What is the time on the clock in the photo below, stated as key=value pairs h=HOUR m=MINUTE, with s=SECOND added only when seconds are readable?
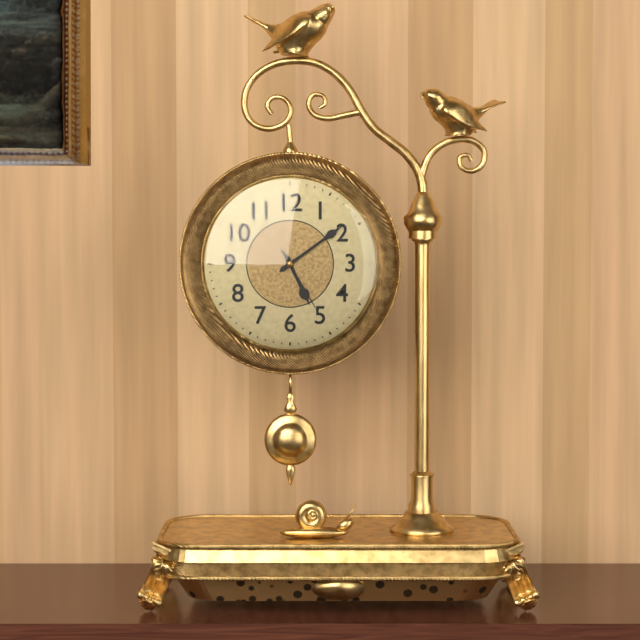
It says h=5 m=9 s=25
